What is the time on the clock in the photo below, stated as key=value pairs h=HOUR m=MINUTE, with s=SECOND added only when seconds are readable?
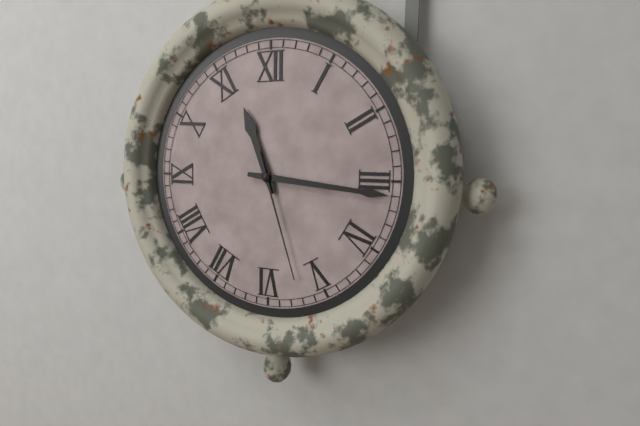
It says h=11 m=16 s=27
